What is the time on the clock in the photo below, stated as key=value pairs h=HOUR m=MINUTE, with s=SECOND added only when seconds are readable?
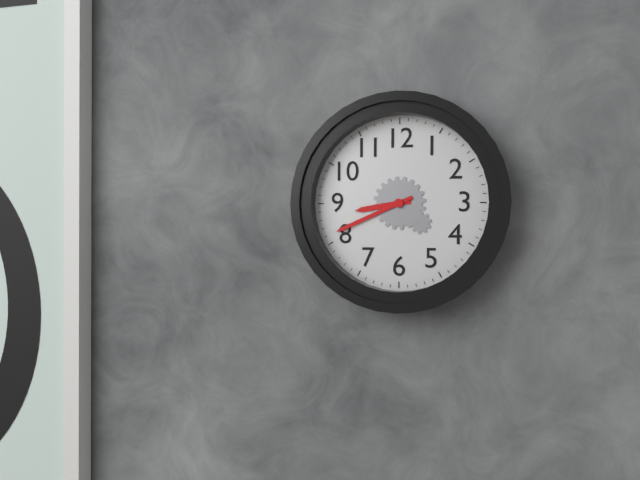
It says h=8 m=41
